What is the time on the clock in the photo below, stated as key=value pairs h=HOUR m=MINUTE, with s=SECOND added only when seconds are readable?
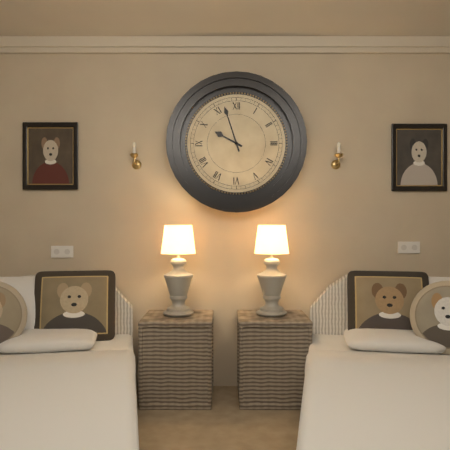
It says h=9 m=57
